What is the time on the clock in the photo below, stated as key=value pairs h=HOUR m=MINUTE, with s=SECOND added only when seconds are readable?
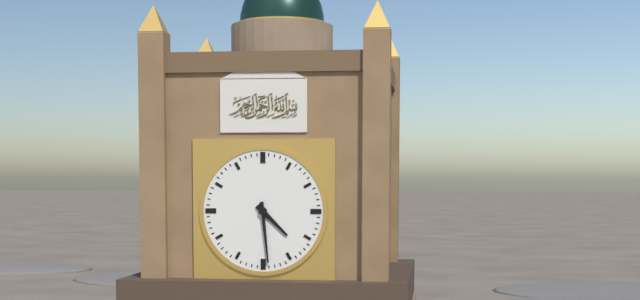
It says h=4 m=29
